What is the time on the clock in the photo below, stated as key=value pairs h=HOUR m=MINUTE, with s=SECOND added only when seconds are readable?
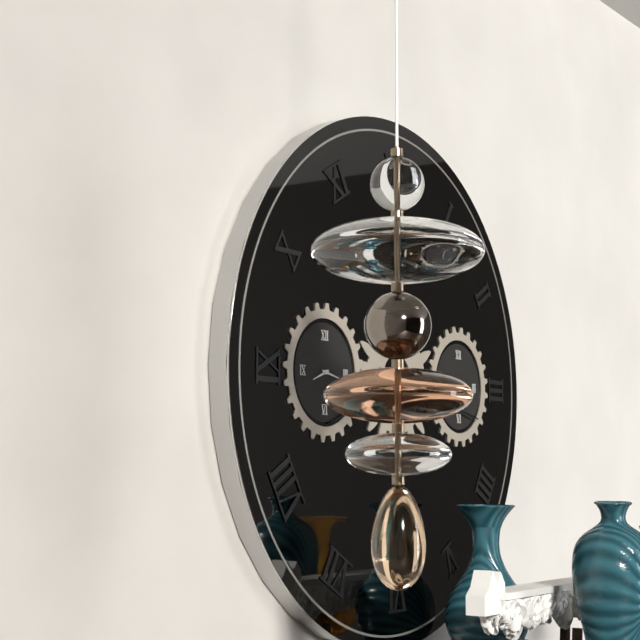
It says h=8 m=17
